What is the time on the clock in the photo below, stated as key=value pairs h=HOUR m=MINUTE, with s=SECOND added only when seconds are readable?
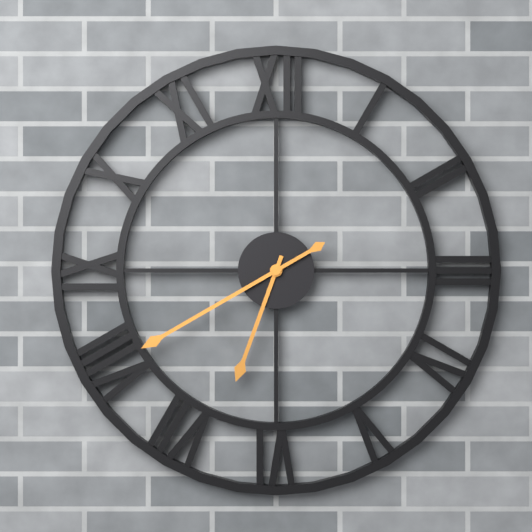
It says h=6 m=40
